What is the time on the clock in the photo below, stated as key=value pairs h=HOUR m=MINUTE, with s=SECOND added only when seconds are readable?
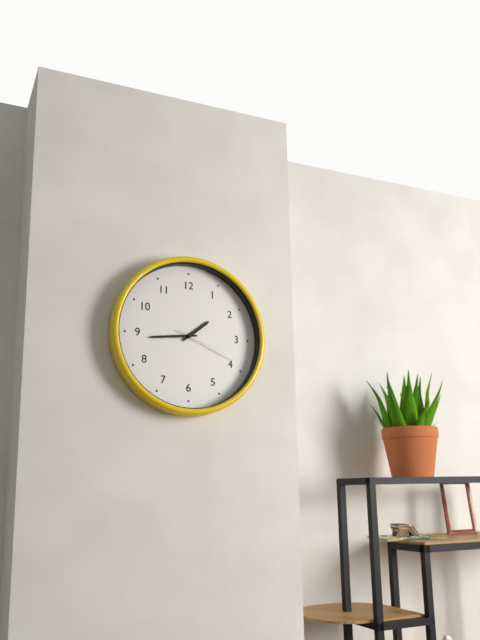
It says h=1 m=44 s=19
